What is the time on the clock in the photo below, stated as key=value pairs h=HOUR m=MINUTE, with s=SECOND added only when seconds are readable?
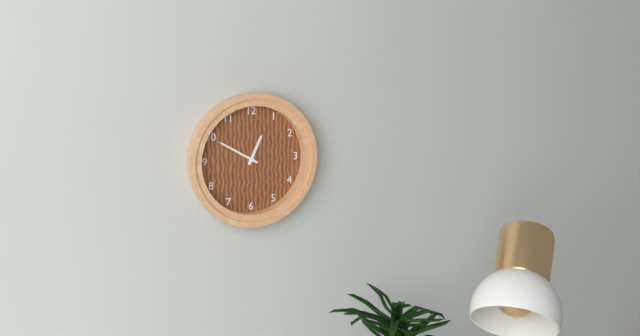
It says h=12 m=50
